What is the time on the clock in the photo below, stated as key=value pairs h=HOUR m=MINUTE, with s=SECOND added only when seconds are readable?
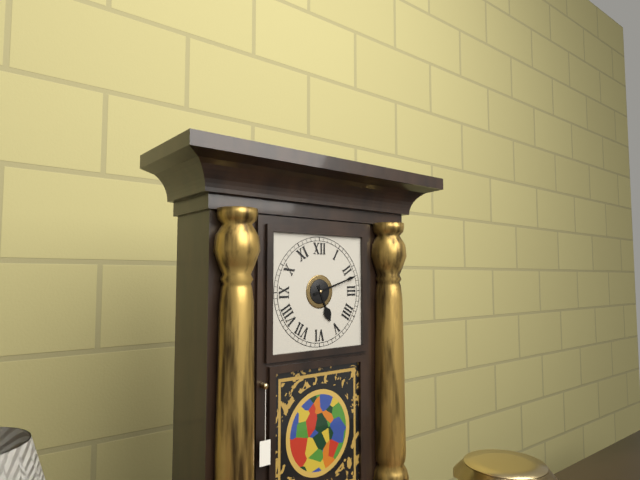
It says h=5 m=12
